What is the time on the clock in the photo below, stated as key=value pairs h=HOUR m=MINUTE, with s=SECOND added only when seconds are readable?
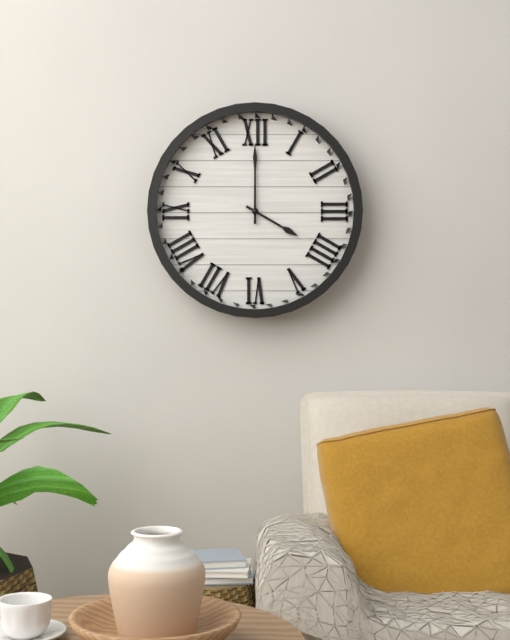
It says h=4 m=0
